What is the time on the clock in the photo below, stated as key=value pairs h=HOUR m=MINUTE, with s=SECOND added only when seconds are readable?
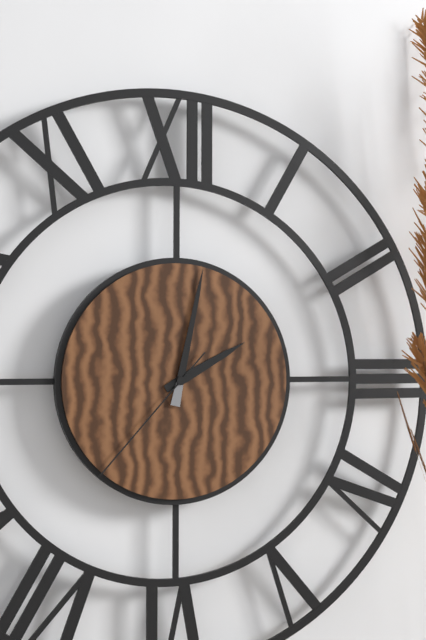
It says h=2 m=2 s=37
